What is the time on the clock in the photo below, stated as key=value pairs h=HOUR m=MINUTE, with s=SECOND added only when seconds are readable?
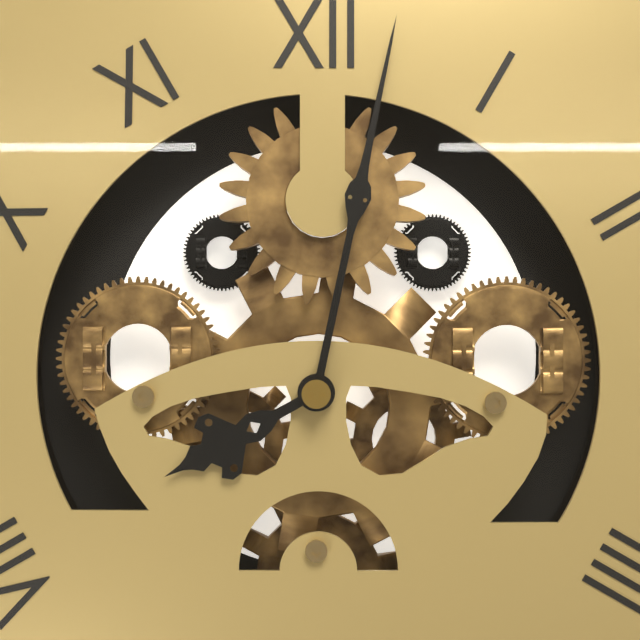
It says h=8 m=2
